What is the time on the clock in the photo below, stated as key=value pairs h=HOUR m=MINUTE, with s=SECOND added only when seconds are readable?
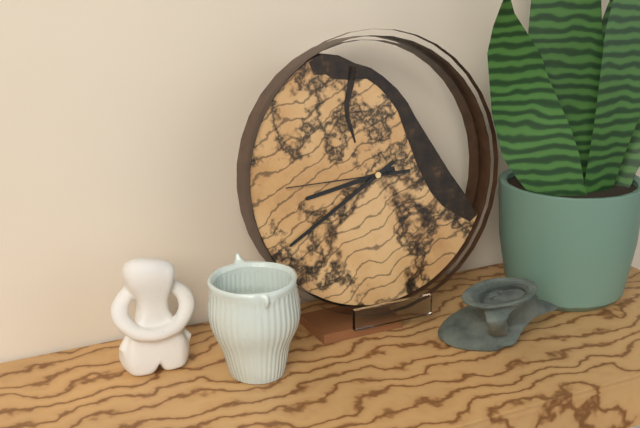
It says h=8 m=40 s=45
